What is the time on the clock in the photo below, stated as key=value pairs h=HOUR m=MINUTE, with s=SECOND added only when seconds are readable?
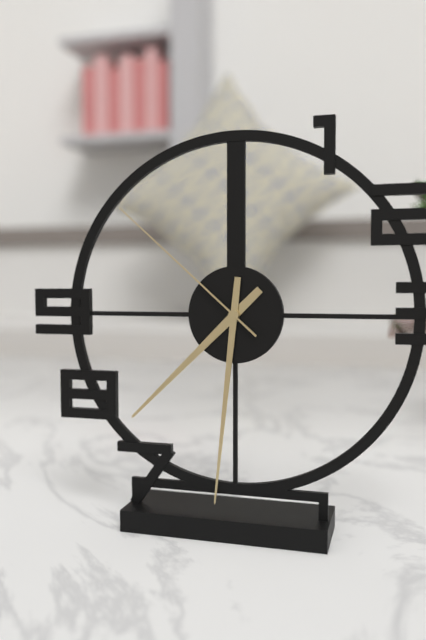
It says h=7 m=31 s=52
